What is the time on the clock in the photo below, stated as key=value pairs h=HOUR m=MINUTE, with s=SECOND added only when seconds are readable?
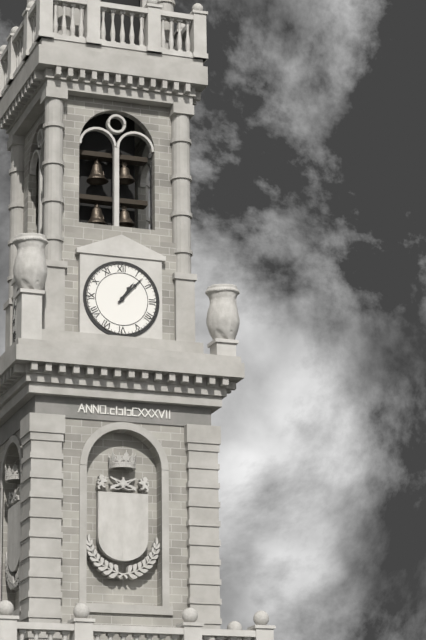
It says h=1 m=7
